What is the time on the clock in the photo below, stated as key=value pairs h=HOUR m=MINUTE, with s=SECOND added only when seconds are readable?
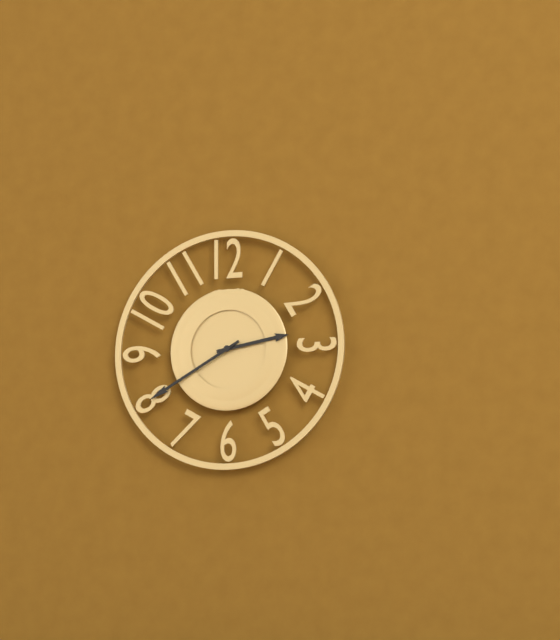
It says h=2 m=40
